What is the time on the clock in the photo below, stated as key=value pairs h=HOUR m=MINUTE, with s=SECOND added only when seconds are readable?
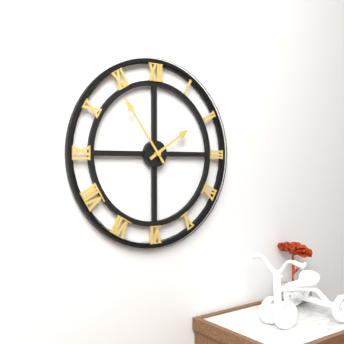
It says h=1 m=54
